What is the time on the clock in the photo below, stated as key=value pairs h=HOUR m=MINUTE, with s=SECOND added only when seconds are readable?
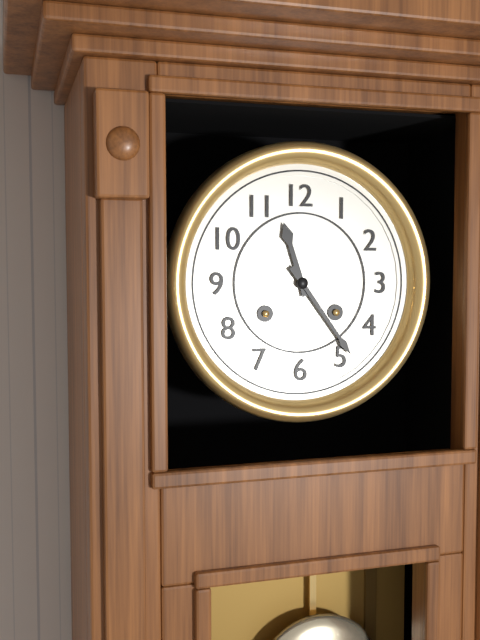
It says h=11 m=24
